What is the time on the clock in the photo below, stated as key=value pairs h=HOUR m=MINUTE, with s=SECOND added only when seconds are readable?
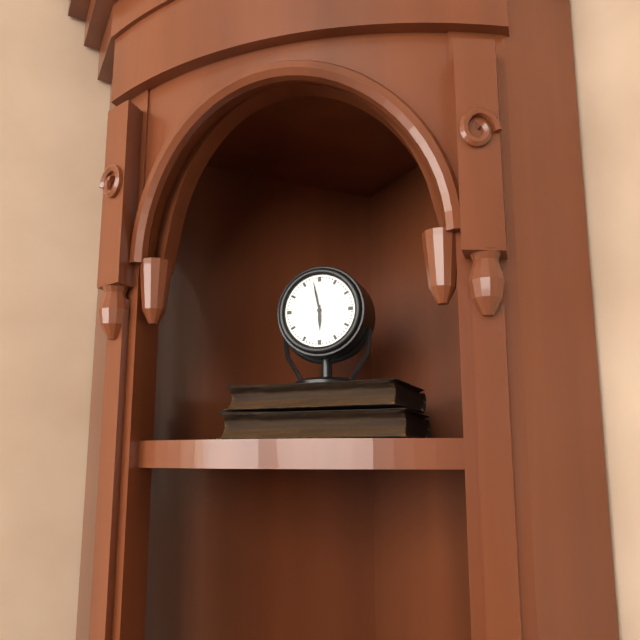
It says h=5 m=58
